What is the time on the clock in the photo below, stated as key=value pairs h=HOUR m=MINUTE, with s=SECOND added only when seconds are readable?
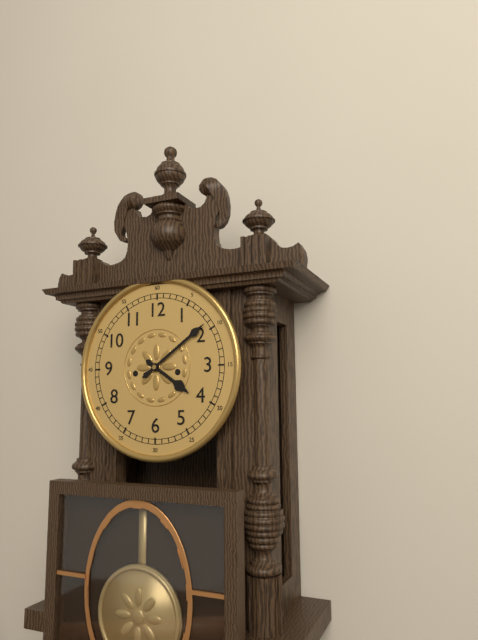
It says h=4 m=9
